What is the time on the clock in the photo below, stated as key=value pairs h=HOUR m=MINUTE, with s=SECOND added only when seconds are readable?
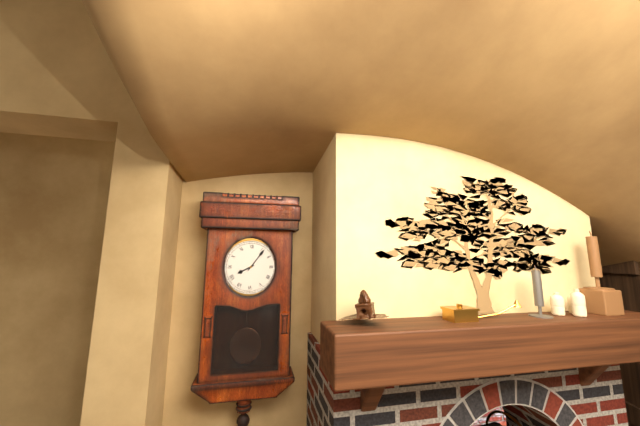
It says h=8 m=6
